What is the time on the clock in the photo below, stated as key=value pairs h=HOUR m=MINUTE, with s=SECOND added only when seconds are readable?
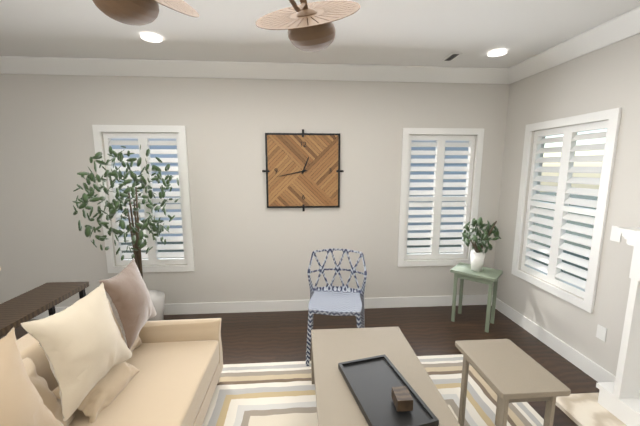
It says h=12 m=43
